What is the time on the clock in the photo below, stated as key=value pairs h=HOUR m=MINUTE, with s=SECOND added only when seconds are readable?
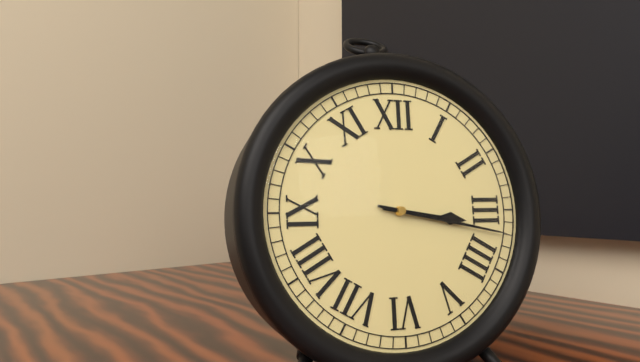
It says h=3 m=17
